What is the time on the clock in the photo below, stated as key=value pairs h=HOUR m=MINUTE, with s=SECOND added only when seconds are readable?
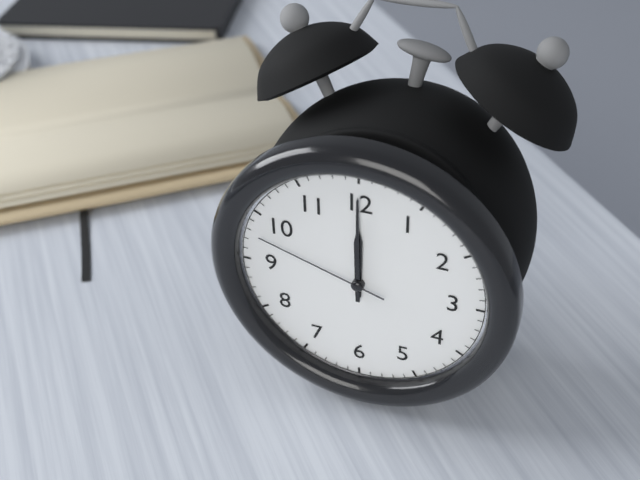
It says h=12 m=0 s=48
